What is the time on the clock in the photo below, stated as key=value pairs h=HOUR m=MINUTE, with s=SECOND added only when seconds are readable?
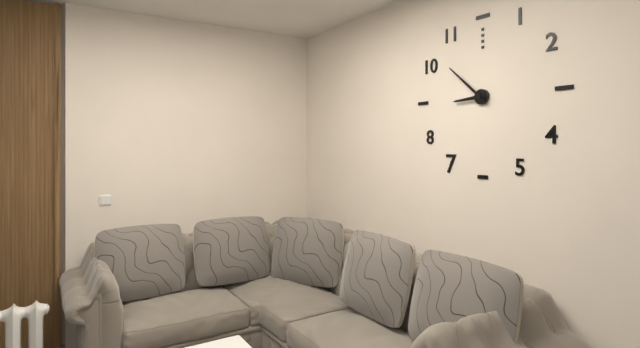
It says h=8 m=52
